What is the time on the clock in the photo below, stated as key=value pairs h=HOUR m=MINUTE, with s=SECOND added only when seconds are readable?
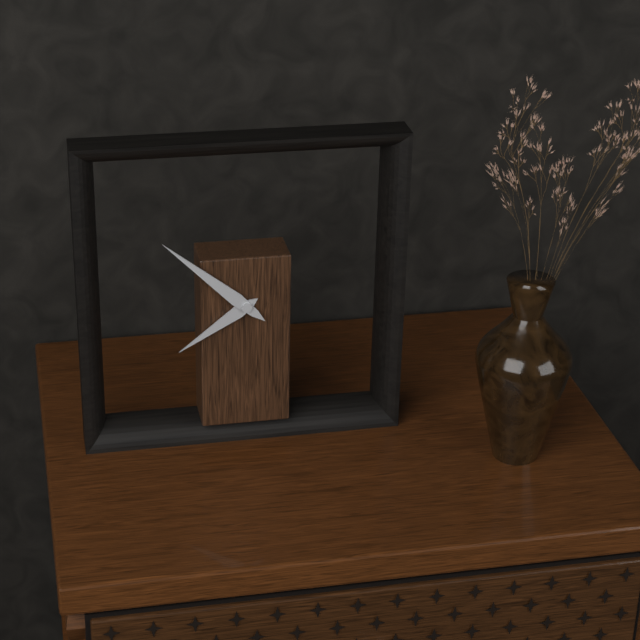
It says h=7 m=52
